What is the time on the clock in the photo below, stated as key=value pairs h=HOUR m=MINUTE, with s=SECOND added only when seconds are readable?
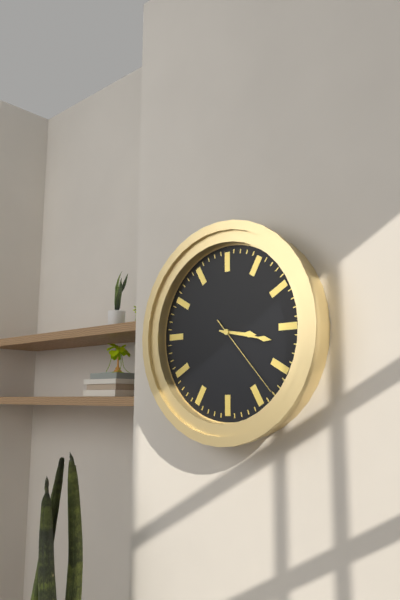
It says h=3 m=17 s=23
